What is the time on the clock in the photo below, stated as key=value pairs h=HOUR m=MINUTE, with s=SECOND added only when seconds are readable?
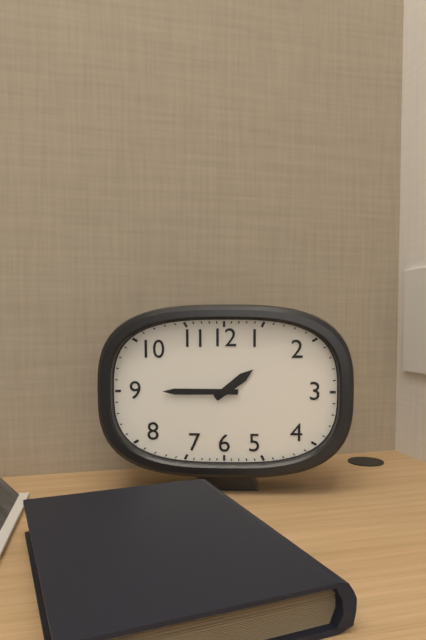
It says h=1 m=45
